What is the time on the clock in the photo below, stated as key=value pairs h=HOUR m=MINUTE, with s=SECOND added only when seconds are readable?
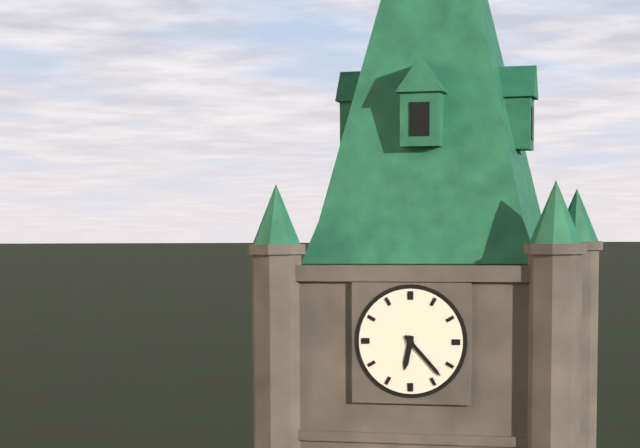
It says h=6 m=23
